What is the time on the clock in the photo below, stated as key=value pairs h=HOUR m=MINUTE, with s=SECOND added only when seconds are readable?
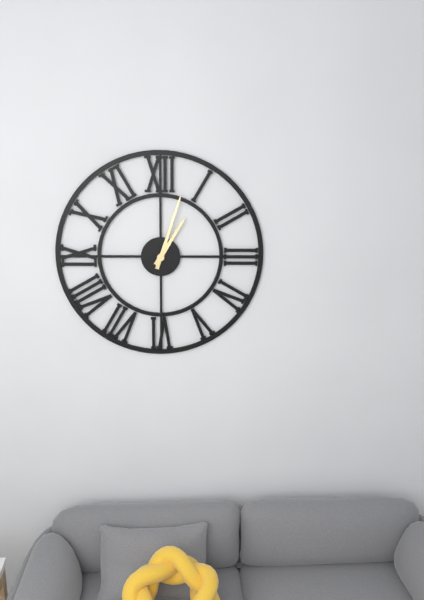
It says h=1 m=3
